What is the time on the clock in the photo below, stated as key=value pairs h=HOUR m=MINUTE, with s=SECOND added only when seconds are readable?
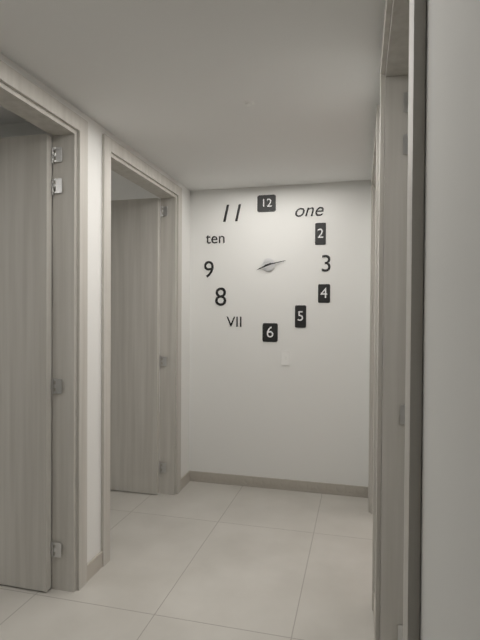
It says h=8 m=13
